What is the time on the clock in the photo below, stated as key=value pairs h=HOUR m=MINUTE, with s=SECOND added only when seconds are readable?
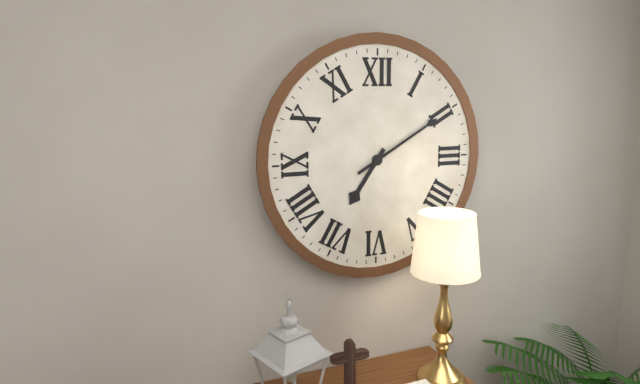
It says h=7 m=10
